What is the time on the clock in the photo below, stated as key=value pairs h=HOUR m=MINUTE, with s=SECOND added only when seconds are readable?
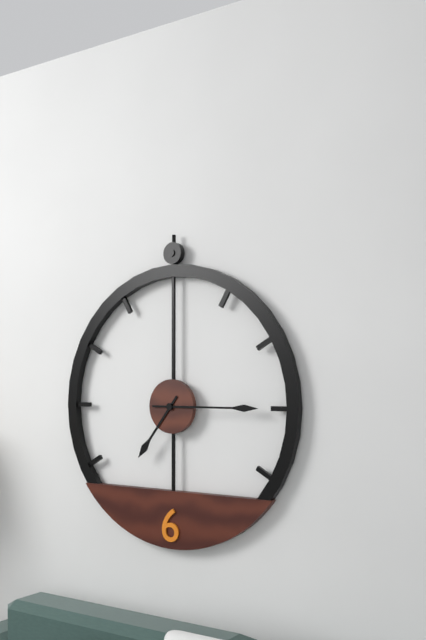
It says h=7 m=15
